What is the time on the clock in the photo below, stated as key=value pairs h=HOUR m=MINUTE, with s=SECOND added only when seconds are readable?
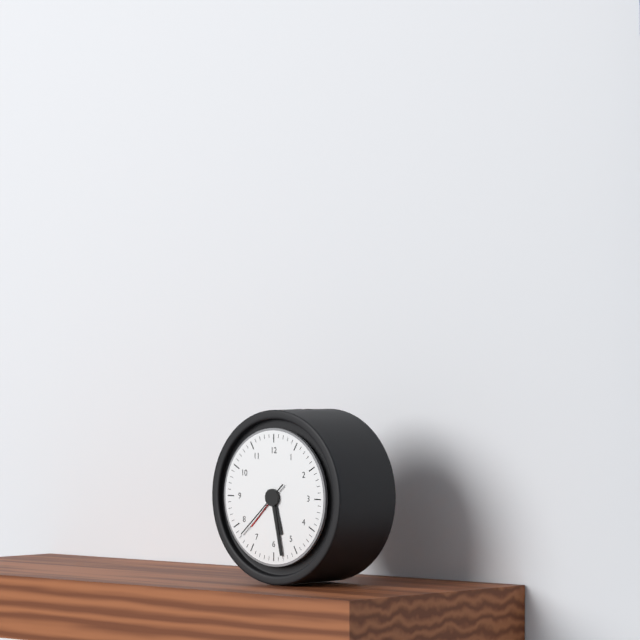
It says h=5 m=28 s=38
